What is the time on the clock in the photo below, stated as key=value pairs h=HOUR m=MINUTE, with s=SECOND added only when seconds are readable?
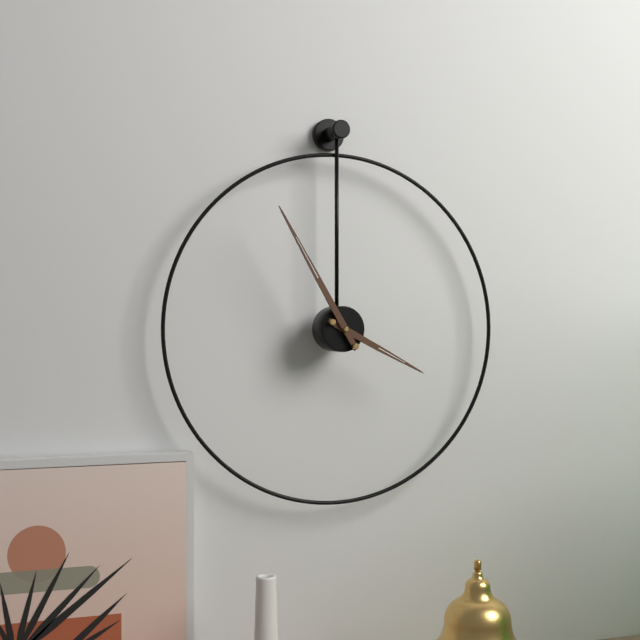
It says h=3 m=55
